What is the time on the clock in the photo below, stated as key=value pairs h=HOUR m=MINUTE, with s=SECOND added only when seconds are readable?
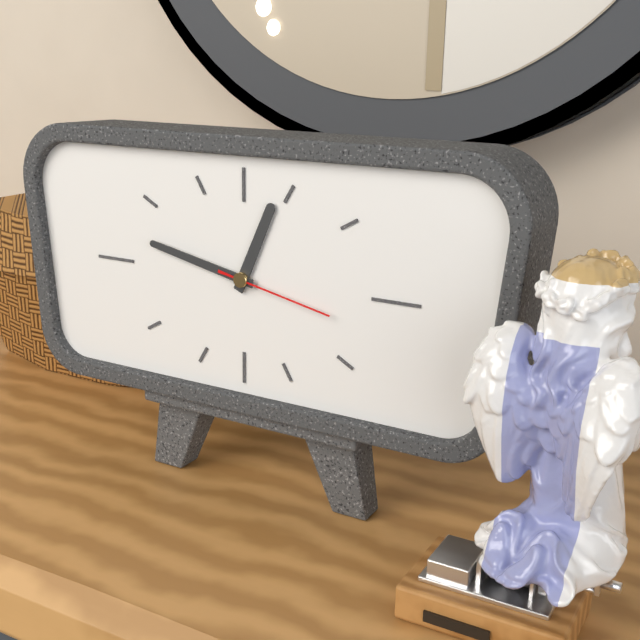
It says h=12 m=47 s=17
